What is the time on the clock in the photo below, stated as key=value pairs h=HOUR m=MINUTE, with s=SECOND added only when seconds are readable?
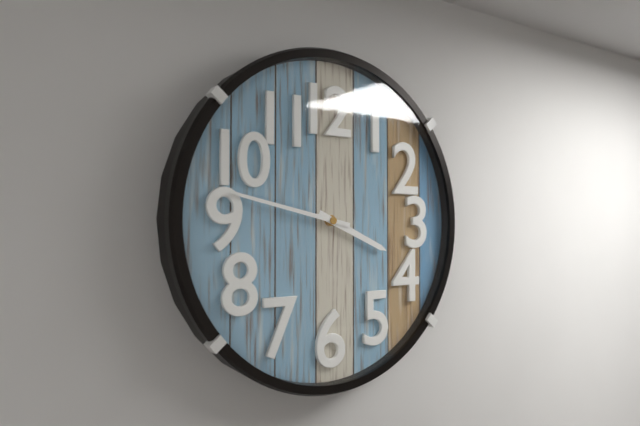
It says h=3 m=47
